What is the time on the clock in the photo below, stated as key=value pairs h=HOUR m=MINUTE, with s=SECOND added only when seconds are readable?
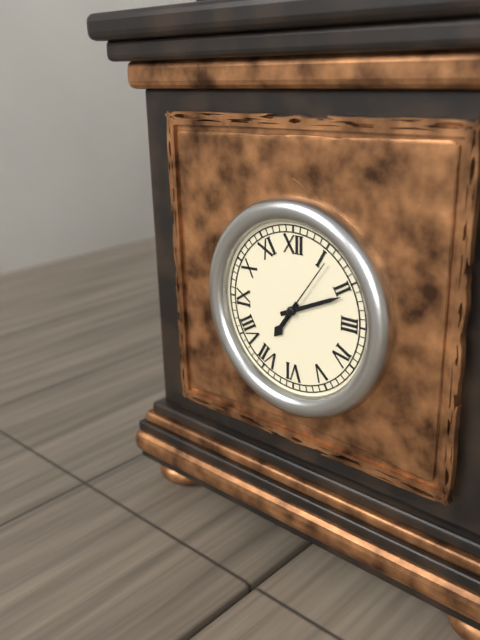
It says h=7 m=11 s=6
